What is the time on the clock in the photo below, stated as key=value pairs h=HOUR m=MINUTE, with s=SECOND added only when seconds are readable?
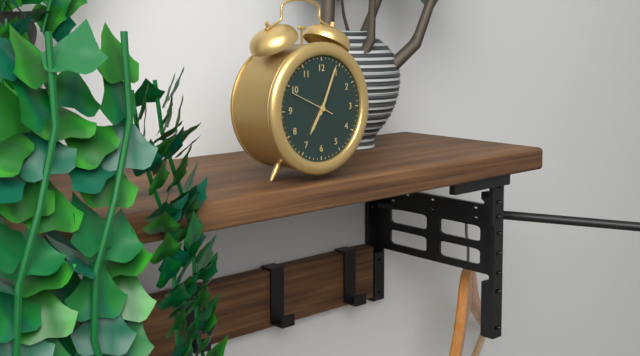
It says h=7 m=4
